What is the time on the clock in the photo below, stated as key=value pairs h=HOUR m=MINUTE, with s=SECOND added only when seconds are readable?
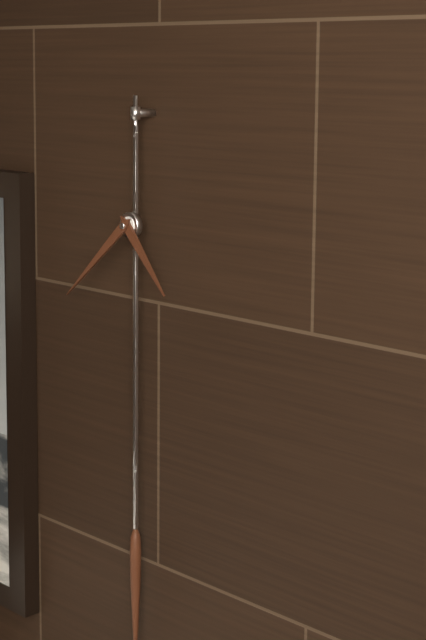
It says h=4 m=38
